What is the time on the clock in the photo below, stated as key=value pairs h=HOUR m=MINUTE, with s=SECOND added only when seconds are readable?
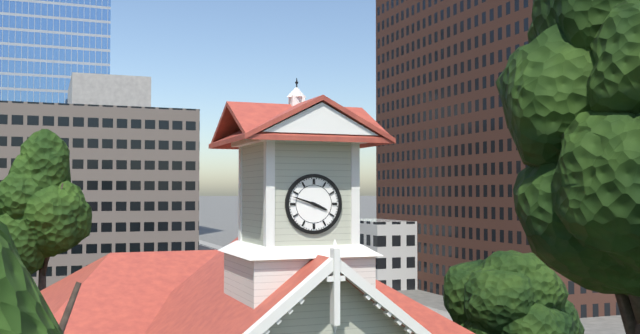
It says h=3 m=48
